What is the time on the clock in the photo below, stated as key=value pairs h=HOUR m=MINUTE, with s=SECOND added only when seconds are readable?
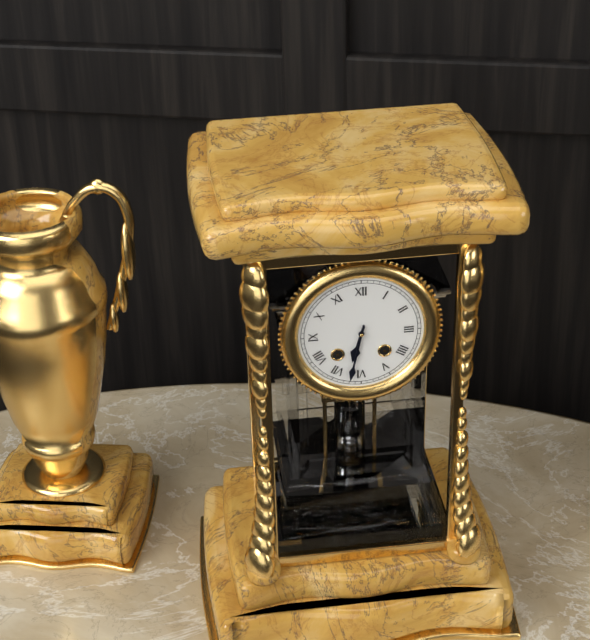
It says h=6 m=32
